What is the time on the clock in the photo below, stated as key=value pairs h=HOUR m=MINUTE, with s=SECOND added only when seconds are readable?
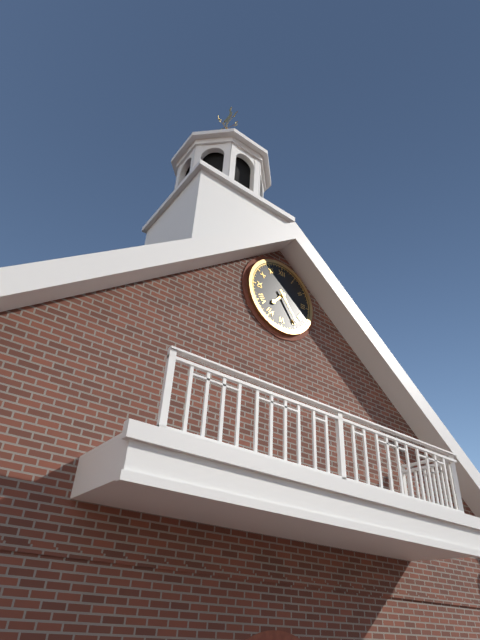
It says h=7 m=24
